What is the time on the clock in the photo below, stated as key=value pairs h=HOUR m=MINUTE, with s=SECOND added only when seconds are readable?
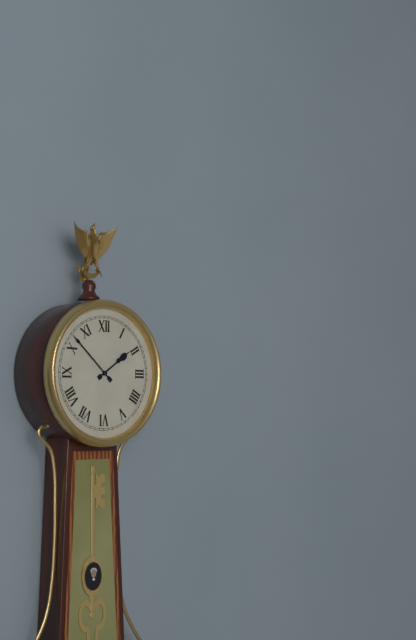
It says h=1 m=52
